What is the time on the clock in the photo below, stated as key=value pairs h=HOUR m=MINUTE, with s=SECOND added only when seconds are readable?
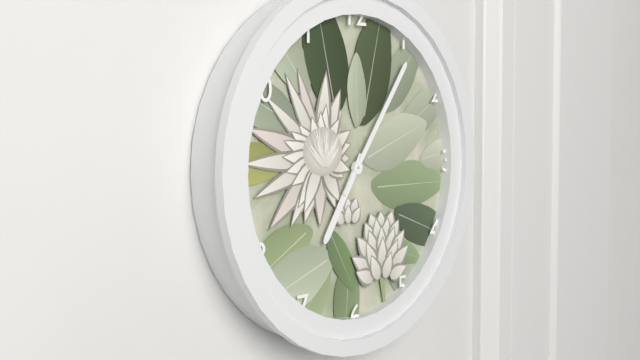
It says h=7 m=6
